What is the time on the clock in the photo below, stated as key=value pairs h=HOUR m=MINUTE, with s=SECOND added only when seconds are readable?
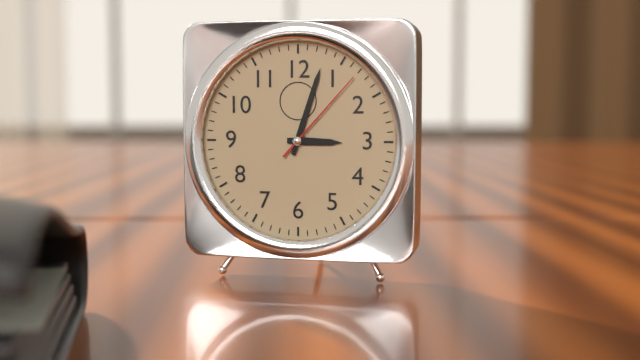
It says h=3 m=3 s=7
